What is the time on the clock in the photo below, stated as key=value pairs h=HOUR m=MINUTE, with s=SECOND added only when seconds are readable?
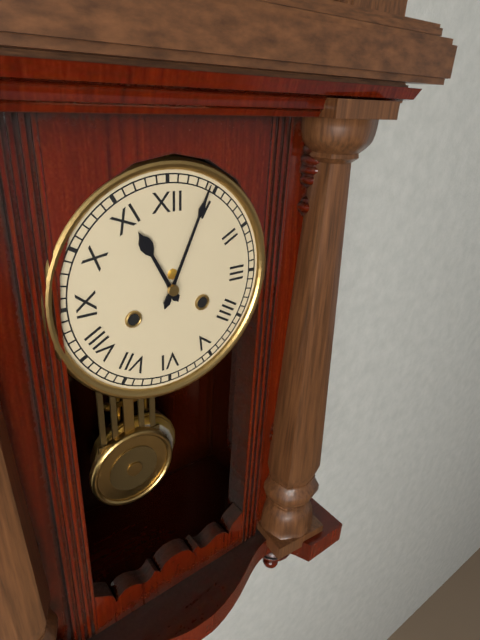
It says h=11 m=4
